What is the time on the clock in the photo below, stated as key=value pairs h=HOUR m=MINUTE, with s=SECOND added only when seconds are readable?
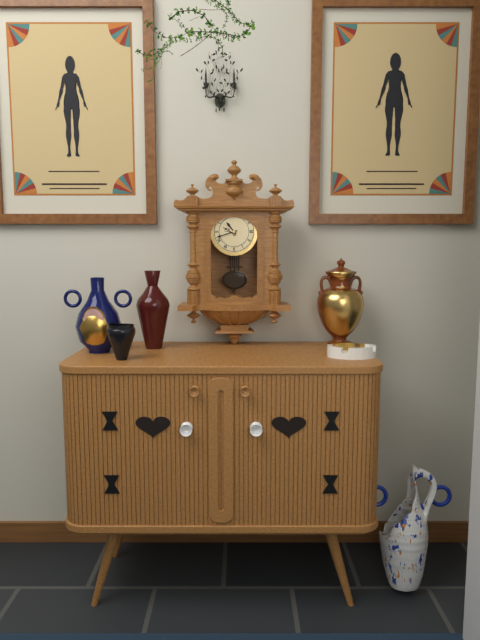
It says h=10 m=42
